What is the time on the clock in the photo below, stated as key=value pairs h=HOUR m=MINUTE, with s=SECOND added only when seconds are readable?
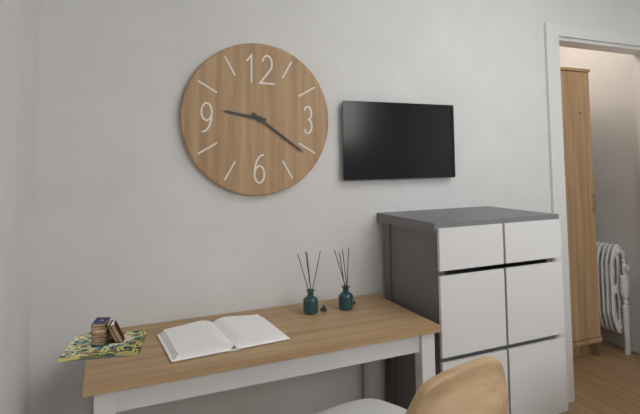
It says h=9 m=21
